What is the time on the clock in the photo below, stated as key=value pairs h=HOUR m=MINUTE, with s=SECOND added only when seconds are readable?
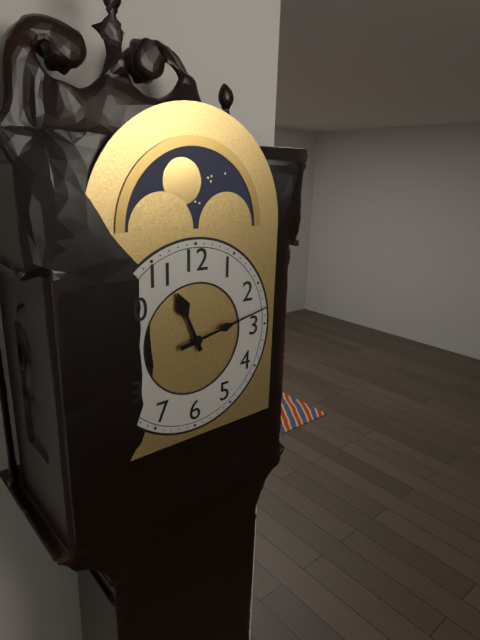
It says h=11 m=13
